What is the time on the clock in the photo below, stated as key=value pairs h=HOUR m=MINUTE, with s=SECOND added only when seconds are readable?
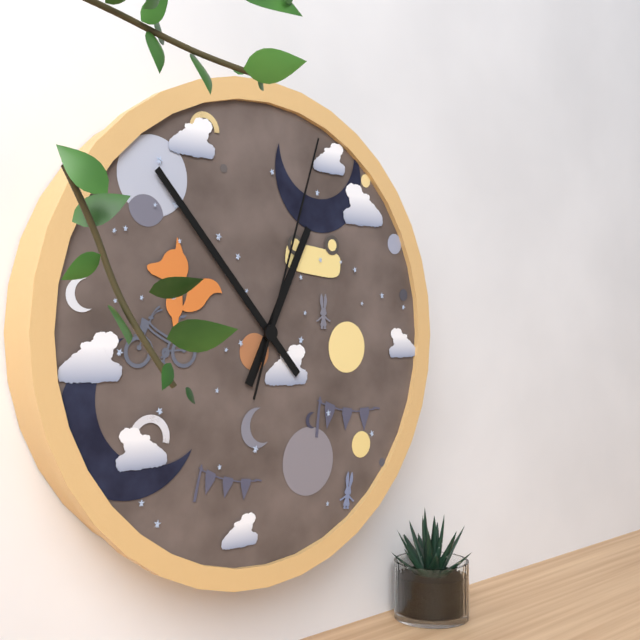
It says h=12 m=53 s=3
